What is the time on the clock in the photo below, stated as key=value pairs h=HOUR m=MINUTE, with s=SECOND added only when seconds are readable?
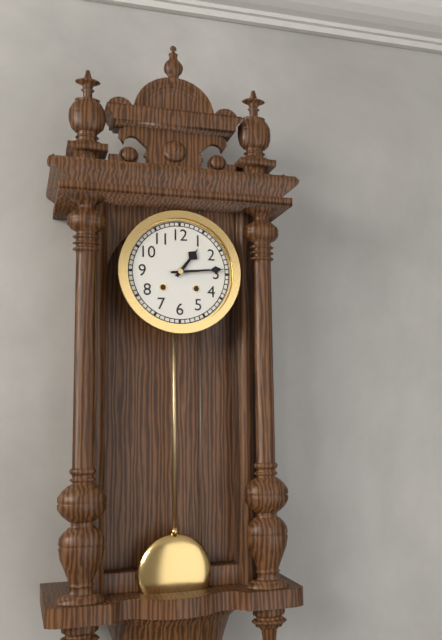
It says h=1 m=14
